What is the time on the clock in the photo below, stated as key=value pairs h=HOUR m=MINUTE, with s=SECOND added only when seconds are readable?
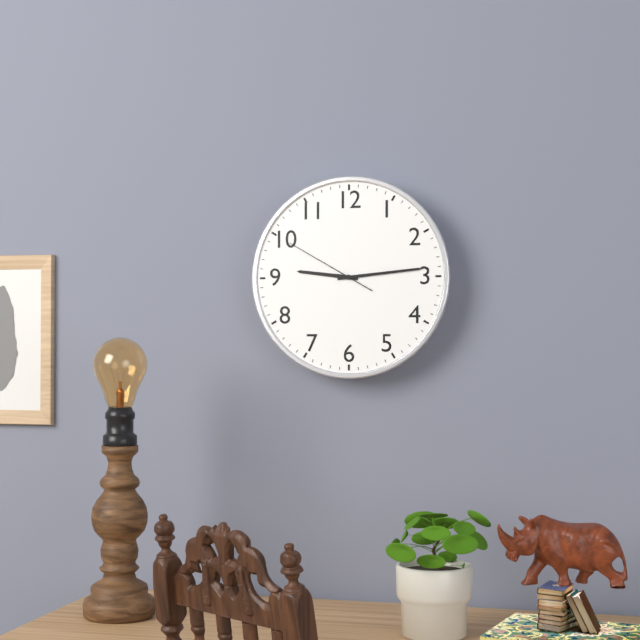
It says h=9 m=14 s=50
